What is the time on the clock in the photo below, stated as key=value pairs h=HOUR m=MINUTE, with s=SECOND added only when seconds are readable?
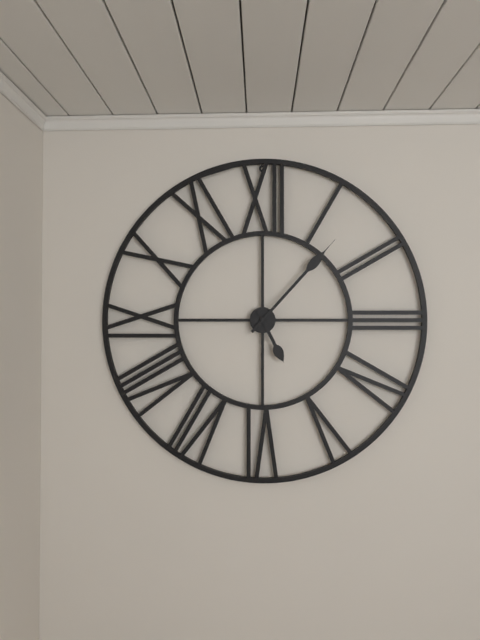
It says h=5 m=7
